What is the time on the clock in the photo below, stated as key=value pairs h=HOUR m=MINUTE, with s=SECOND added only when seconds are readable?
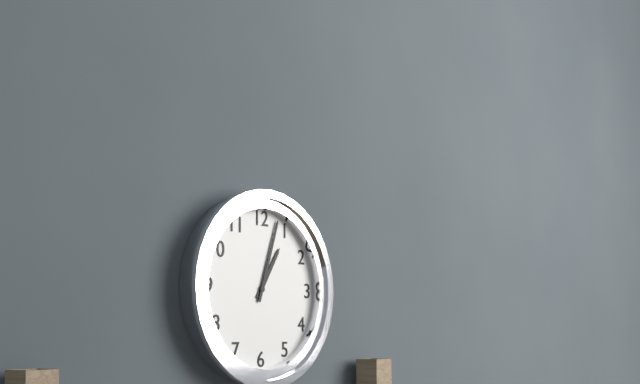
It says h=1 m=3
